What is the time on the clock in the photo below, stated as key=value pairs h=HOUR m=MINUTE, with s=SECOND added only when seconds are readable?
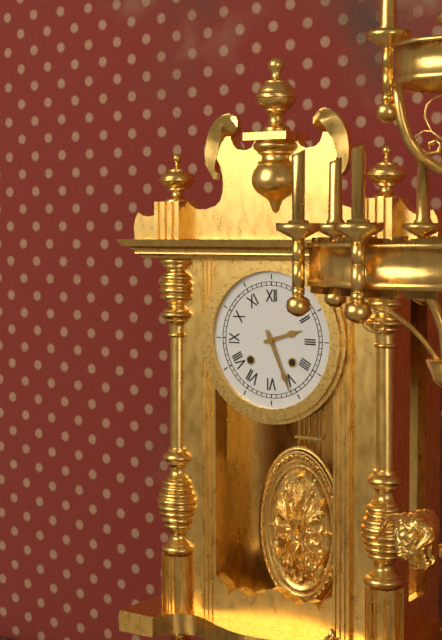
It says h=2 m=26
